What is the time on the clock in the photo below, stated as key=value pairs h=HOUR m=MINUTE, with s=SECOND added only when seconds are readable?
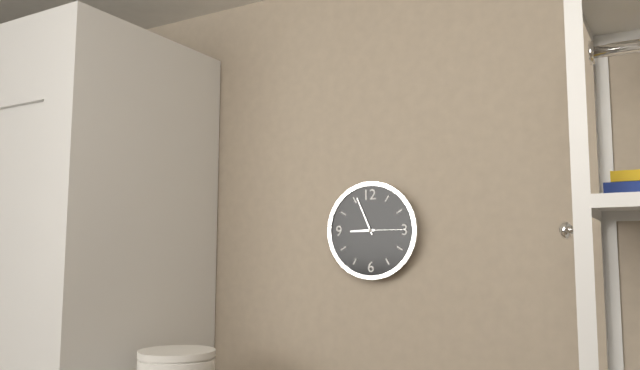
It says h=8 m=56
